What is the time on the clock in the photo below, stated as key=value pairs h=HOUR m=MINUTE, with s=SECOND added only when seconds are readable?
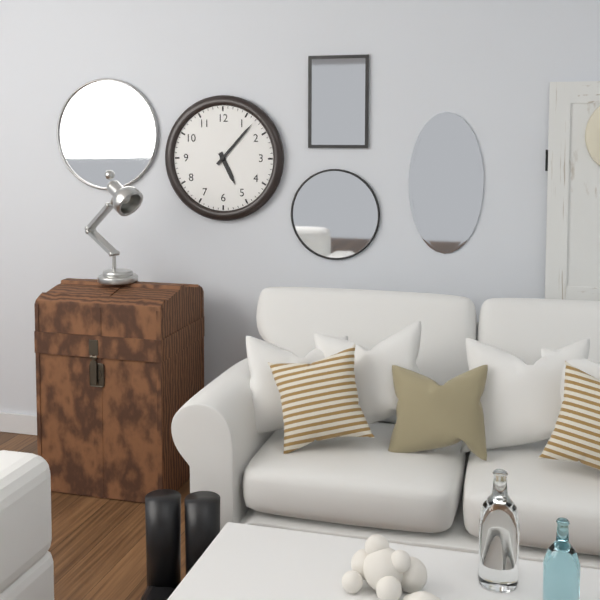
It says h=5 m=7
